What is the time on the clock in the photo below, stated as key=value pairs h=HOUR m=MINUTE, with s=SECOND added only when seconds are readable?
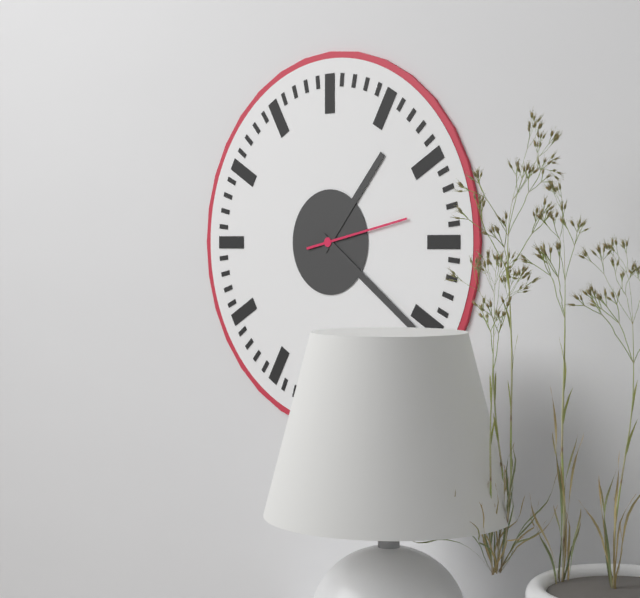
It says h=1 m=21 s=13
